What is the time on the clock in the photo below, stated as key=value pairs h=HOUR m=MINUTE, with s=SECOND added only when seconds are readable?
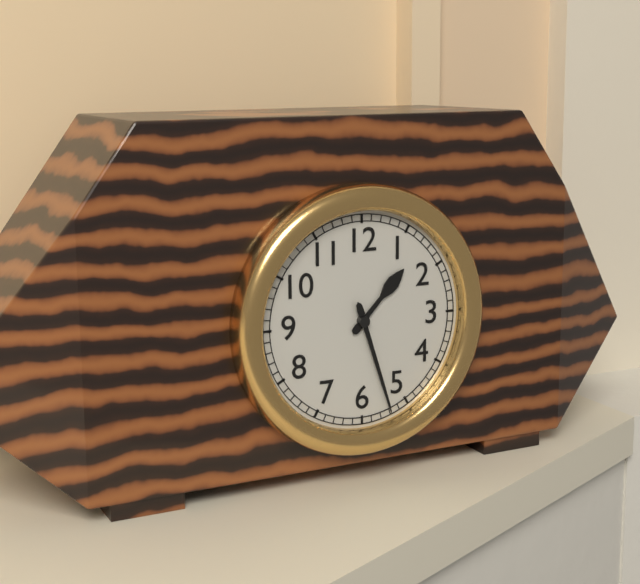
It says h=1 m=27
